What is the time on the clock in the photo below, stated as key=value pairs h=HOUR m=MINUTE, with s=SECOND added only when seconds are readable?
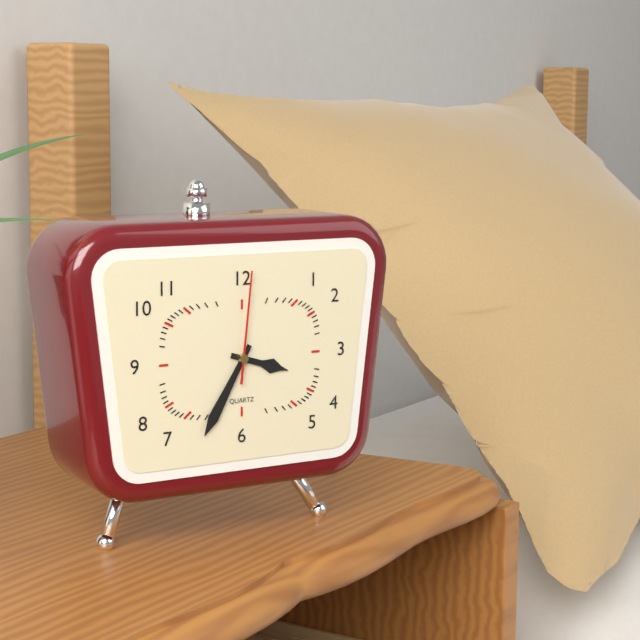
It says h=3 m=35 s=1
